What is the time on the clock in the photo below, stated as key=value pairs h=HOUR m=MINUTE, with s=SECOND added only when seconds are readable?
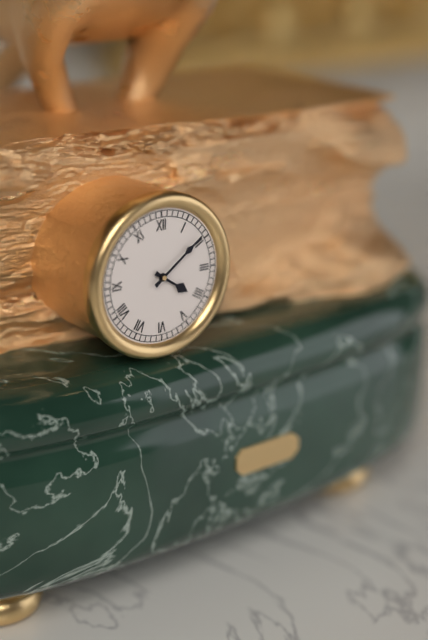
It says h=4 m=9
